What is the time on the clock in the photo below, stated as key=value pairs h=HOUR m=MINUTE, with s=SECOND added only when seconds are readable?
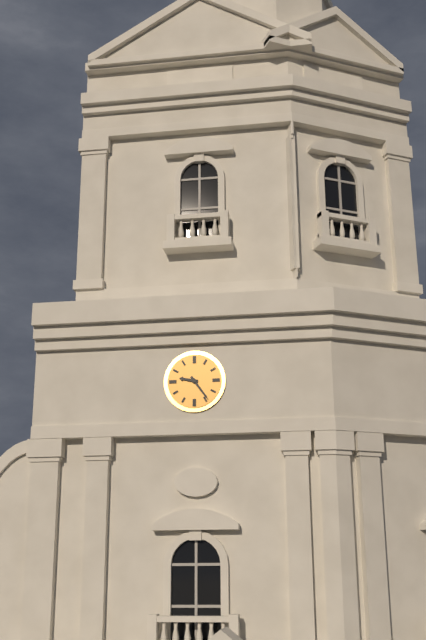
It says h=9 m=24
